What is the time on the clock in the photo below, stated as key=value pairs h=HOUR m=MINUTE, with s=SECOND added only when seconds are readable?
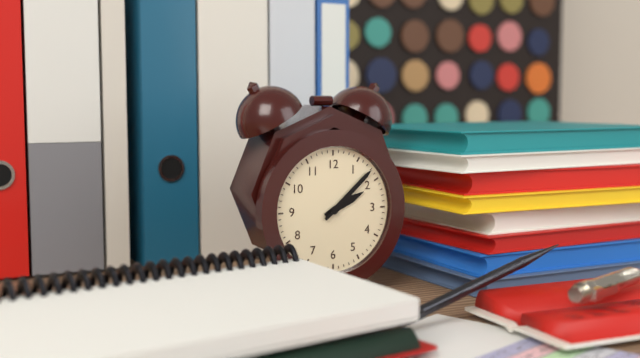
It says h=2 m=8
